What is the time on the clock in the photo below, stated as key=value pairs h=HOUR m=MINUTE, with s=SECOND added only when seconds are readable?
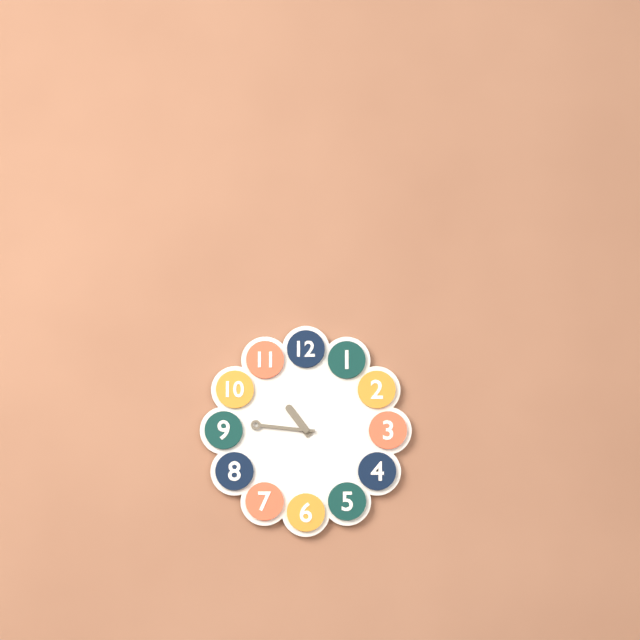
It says h=10 m=46
